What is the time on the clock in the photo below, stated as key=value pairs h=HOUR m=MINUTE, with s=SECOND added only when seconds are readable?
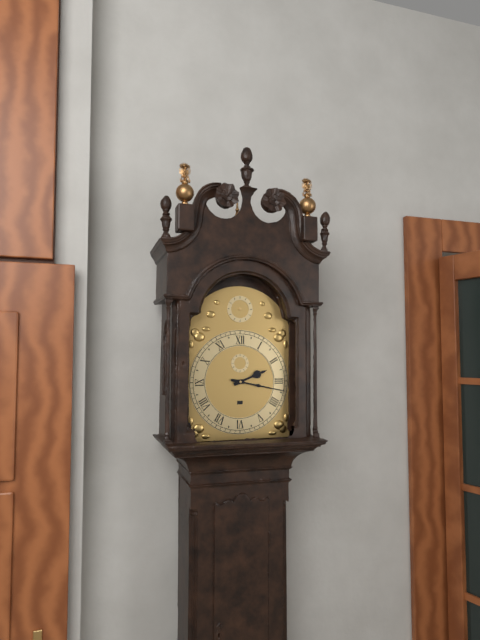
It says h=2 m=17
